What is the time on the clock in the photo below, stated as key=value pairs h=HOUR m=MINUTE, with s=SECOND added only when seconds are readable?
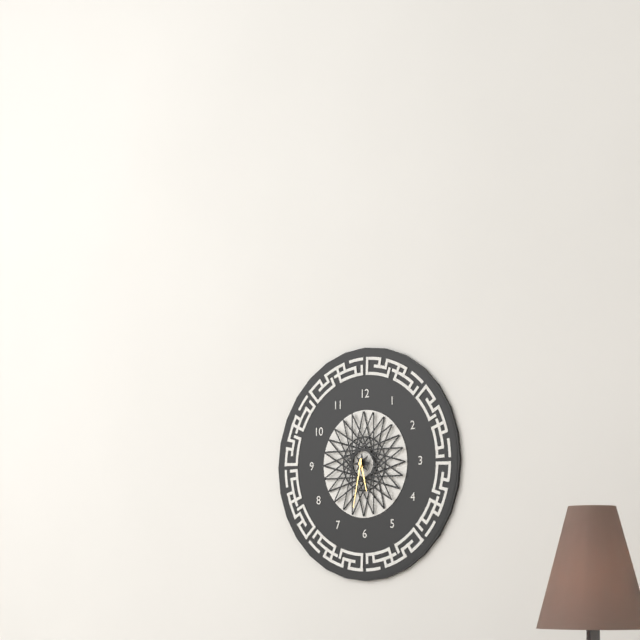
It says h=5 m=32
